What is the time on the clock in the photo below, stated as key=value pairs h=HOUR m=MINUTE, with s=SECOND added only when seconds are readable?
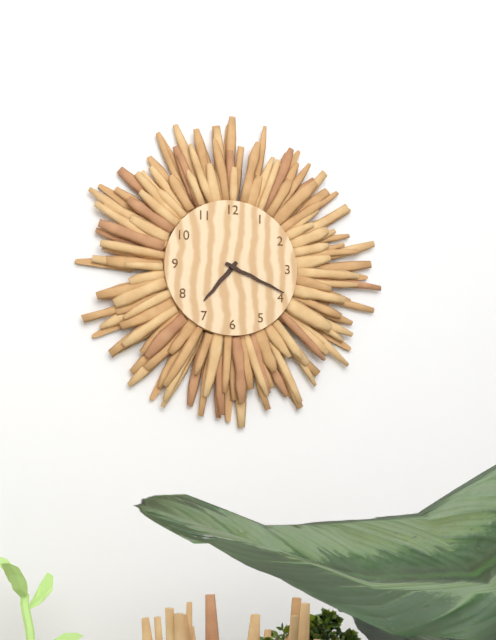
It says h=7 m=19
